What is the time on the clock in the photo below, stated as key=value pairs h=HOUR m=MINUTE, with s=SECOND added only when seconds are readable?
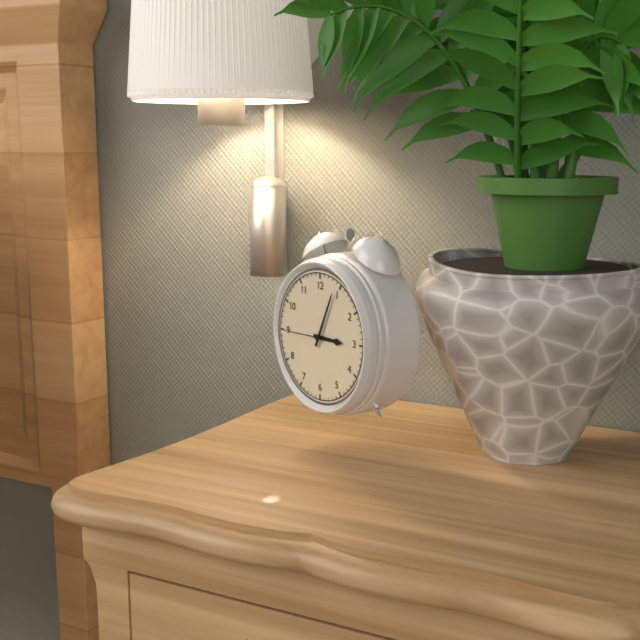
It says h=3 m=4
